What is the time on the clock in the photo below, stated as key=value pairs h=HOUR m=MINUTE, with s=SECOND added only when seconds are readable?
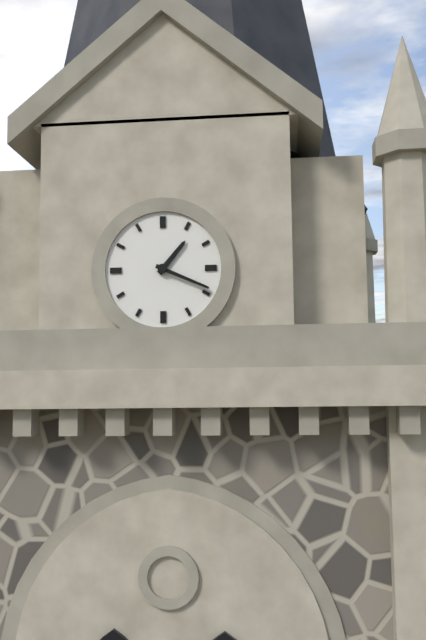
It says h=1 m=19
